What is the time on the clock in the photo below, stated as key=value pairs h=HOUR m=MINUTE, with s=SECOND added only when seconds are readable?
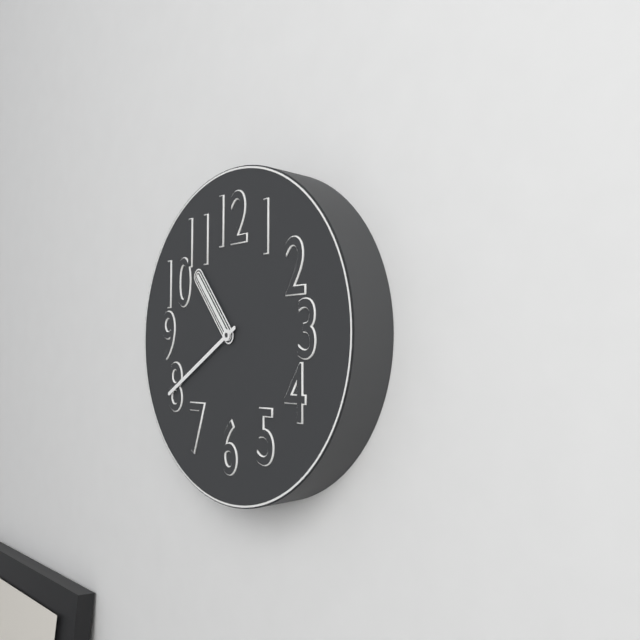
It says h=10 m=40
